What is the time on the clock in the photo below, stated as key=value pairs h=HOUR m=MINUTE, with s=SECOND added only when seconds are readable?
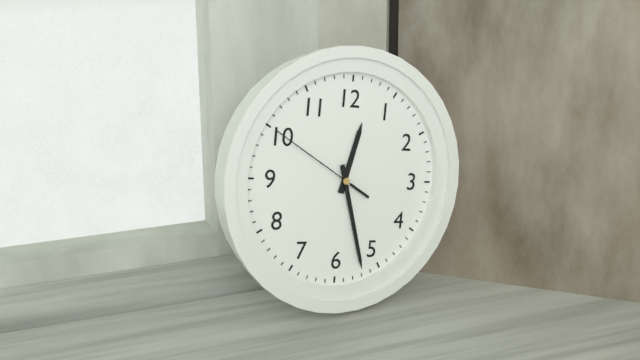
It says h=12 m=27 s=50
